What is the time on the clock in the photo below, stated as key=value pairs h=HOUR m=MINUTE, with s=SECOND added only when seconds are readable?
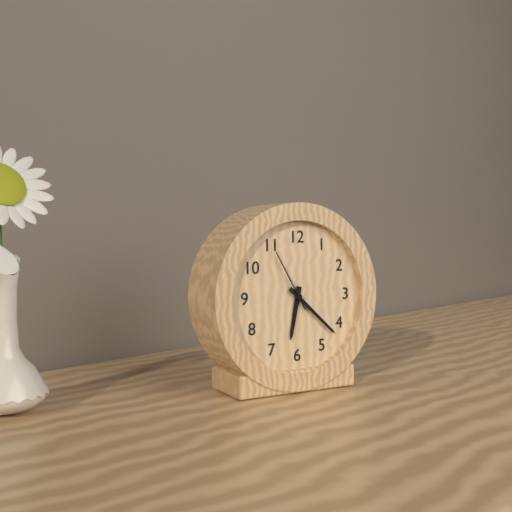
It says h=6 m=22 s=55
